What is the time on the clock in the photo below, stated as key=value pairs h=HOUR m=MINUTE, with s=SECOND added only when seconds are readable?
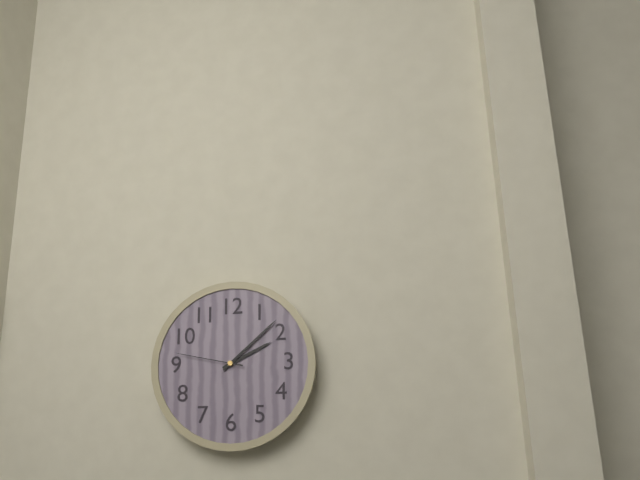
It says h=2 m=8 s=47
